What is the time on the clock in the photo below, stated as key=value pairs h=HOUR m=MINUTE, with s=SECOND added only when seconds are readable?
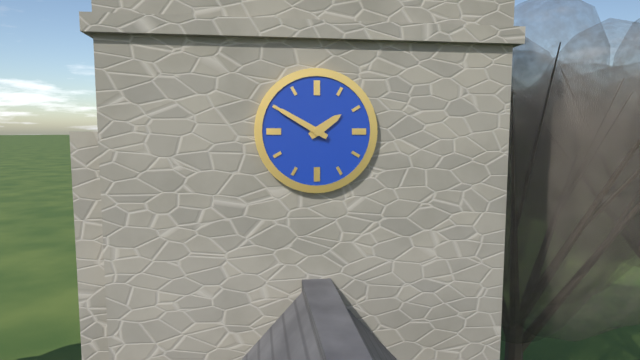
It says h=1 m=50
